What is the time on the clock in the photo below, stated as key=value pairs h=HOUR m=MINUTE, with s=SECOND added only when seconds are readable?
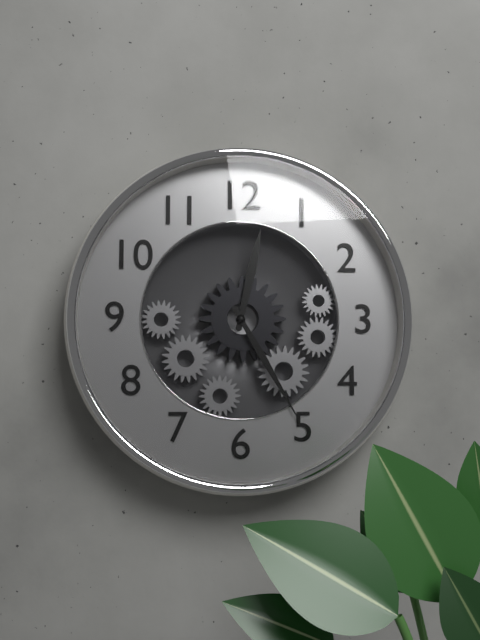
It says h=12 m=25
